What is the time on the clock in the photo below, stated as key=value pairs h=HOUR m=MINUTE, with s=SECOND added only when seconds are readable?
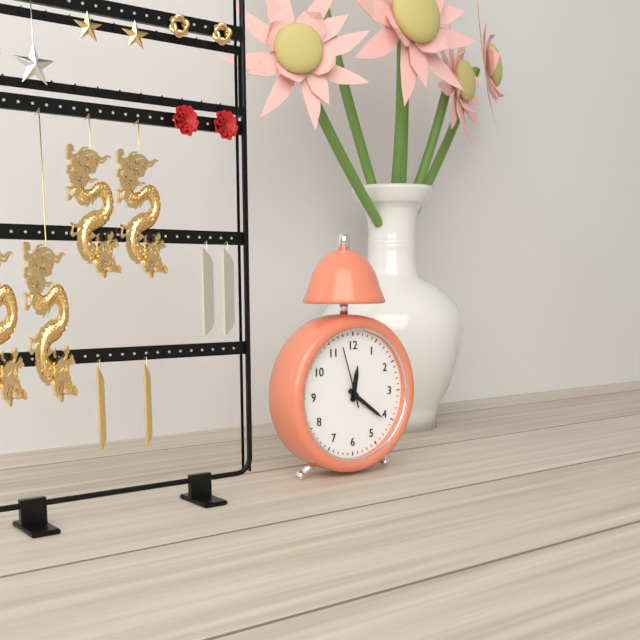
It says h=12 m=21 s=57
